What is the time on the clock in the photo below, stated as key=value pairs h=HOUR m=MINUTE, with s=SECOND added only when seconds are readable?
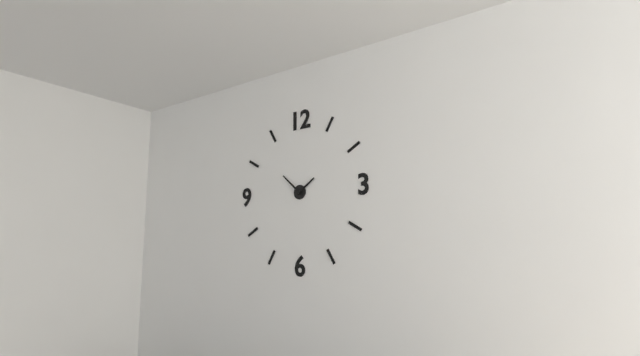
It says h=1 m=52
